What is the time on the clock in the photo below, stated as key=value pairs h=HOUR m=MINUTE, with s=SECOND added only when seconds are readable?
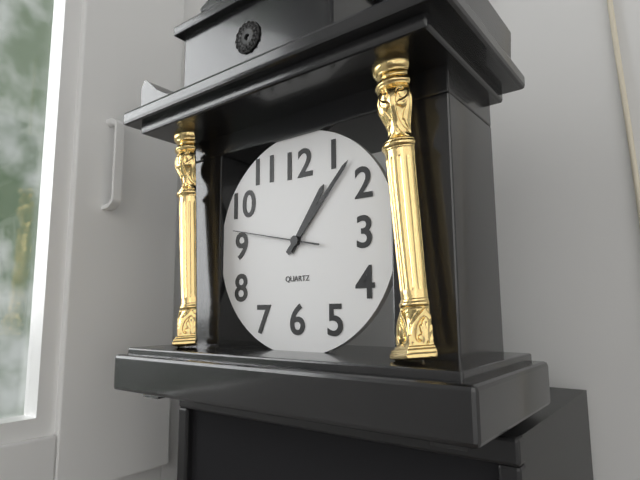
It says h=1 m=7 s=47
